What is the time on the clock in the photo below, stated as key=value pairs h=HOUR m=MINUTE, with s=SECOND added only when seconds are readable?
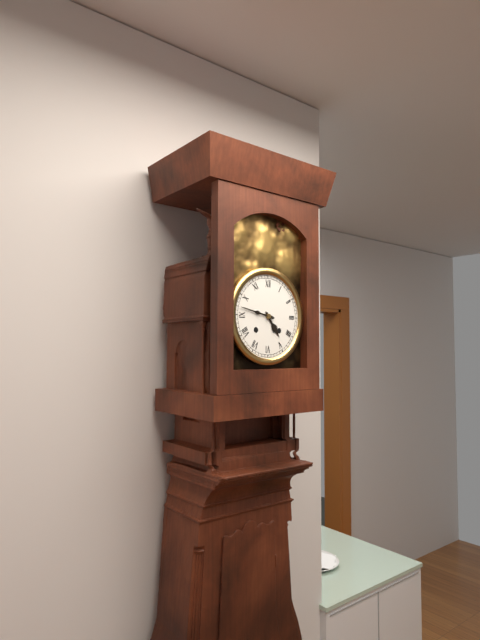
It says h=4 m=47
